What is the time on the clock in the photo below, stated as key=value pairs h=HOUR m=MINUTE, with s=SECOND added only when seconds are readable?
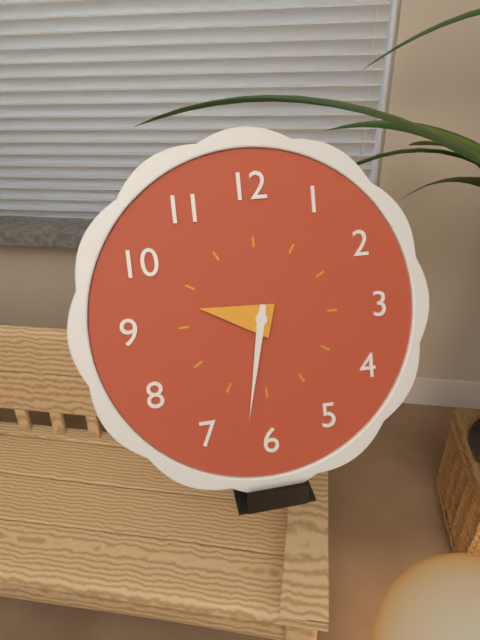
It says h=9 m=32
